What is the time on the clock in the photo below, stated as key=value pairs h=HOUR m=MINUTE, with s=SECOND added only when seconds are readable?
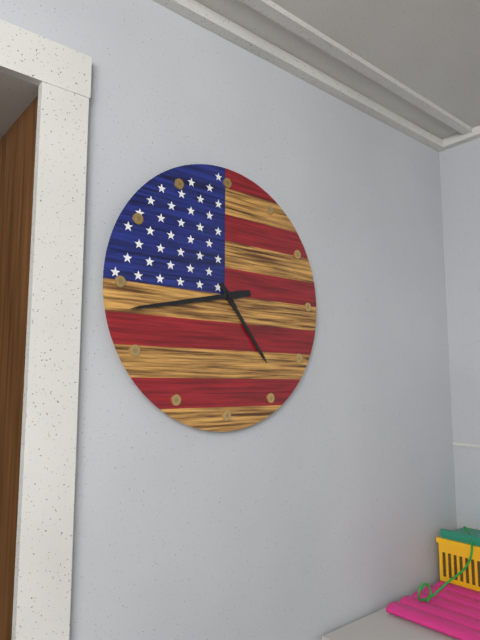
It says h=4 m=43
